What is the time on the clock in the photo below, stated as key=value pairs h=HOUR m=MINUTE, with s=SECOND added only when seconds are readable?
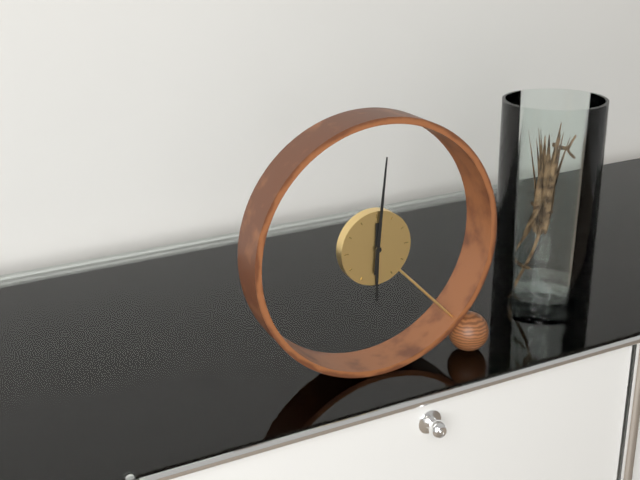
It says h=6 m=1
